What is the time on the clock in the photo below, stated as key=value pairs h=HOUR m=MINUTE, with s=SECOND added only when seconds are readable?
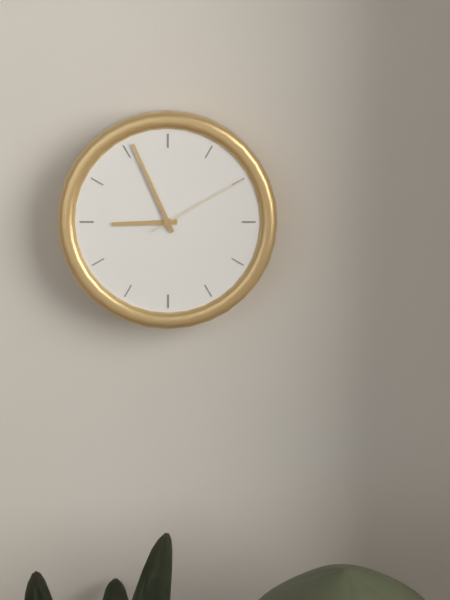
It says h=8 m=56 s=10
